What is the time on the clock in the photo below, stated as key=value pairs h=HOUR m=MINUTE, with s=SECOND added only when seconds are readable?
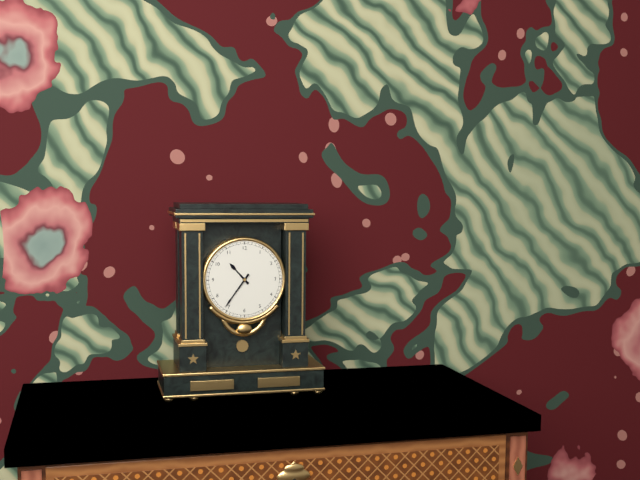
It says h=10 m=36
